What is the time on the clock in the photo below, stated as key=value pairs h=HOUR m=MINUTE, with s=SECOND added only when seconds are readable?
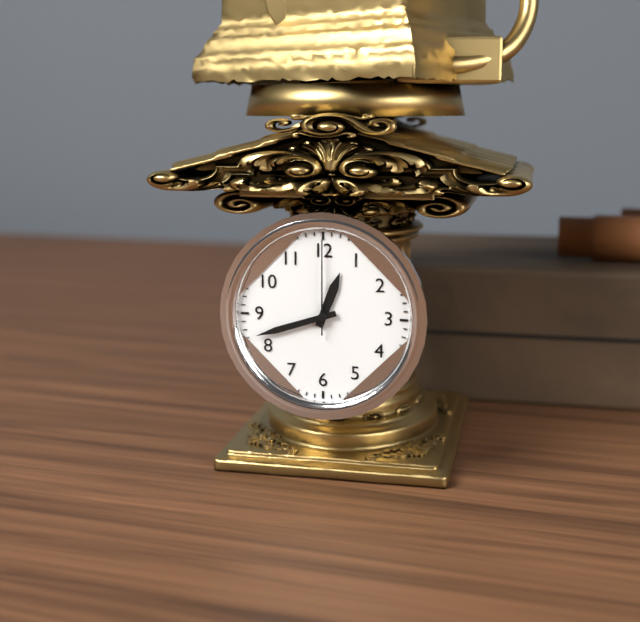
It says h=12 m=42 s=0
